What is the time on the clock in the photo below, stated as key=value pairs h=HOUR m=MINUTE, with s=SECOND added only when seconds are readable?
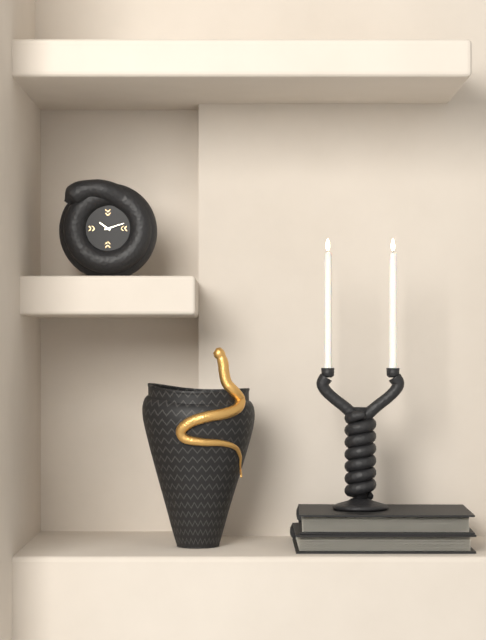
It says h=10 m=12
